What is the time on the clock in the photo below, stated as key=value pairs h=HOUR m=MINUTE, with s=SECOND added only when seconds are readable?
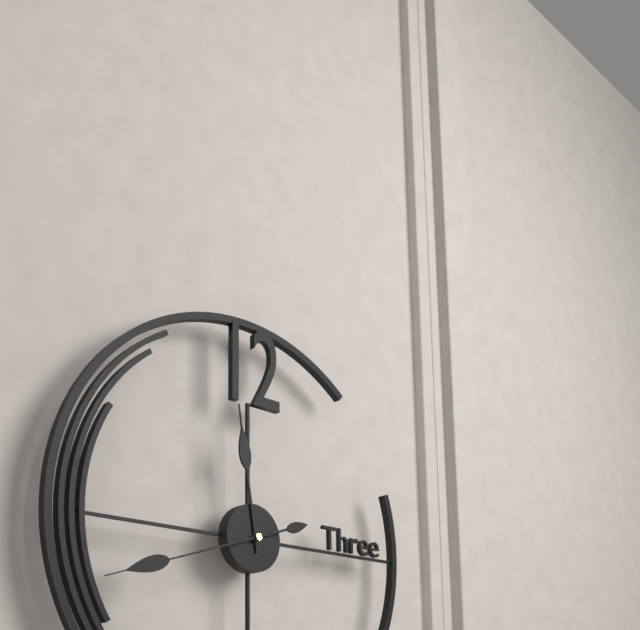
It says h=11 m=42
